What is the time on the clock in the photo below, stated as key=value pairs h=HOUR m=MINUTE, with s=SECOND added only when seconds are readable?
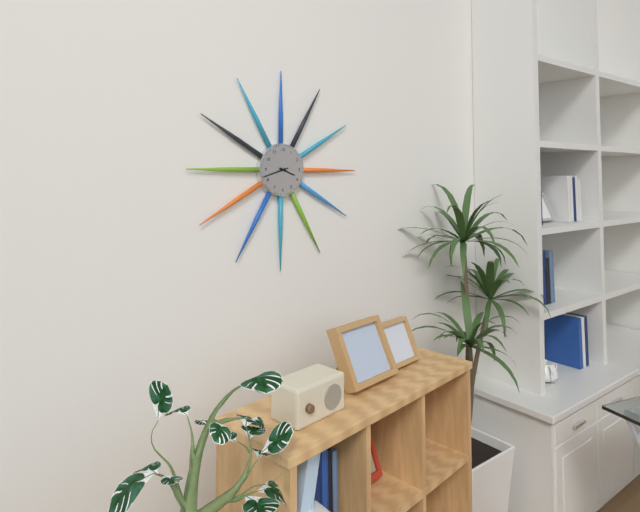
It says h=3 m=42
